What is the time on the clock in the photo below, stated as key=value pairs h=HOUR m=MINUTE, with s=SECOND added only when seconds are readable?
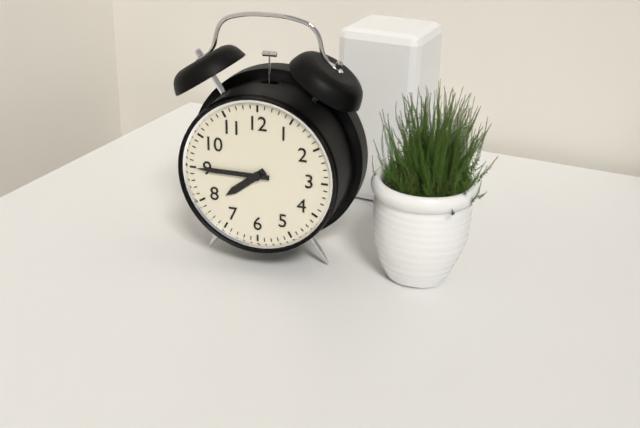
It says h=7 m=45
